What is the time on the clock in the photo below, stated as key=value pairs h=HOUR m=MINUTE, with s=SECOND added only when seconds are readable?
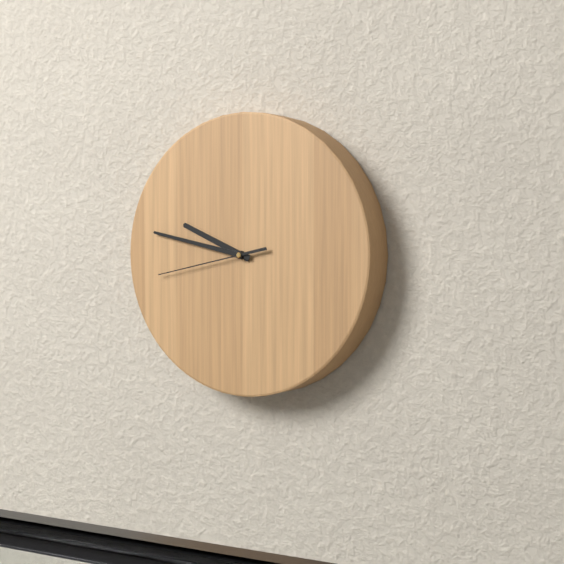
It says h=9 m=47 s=43
